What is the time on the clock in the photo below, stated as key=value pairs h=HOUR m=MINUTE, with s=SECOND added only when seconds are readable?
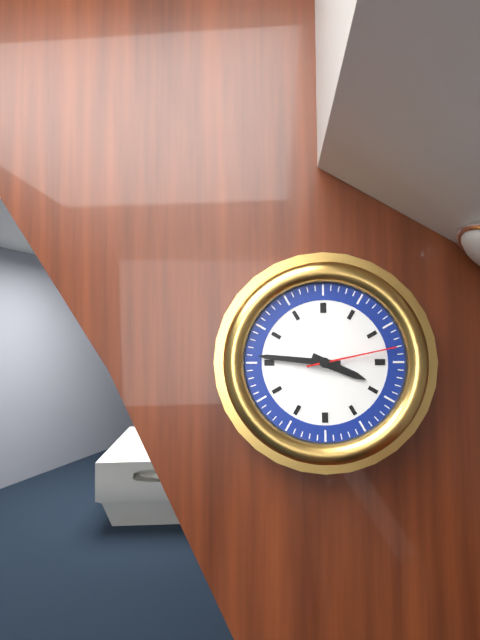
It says h=3 m=46 s=13
